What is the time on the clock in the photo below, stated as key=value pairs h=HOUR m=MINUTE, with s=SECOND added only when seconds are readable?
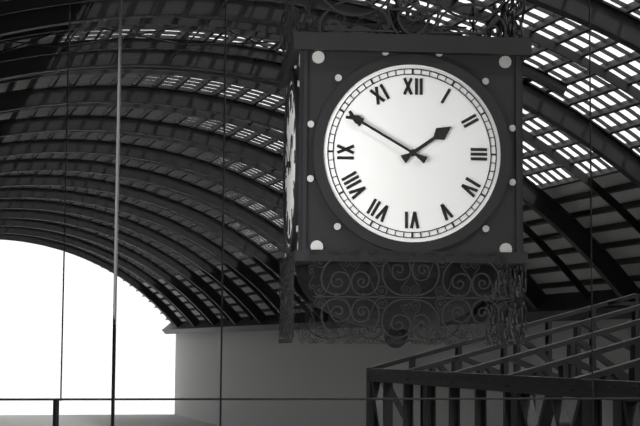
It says h=1 m=50
